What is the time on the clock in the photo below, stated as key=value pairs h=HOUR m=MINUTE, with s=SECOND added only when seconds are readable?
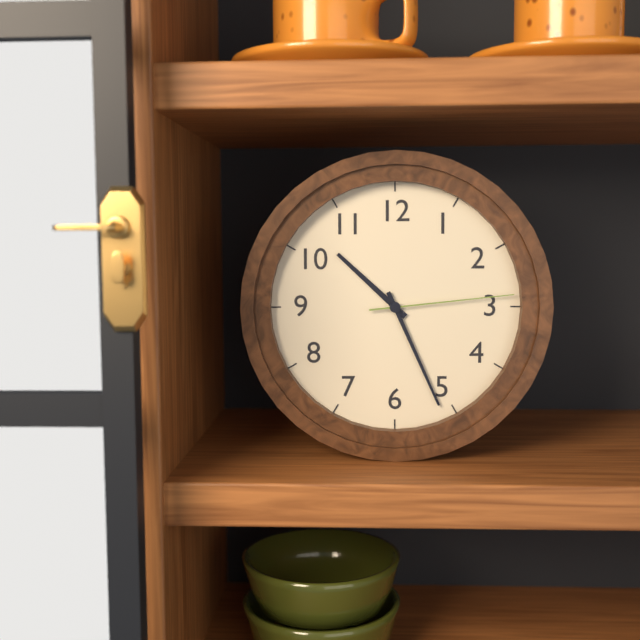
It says h=10 m=26 s=14
